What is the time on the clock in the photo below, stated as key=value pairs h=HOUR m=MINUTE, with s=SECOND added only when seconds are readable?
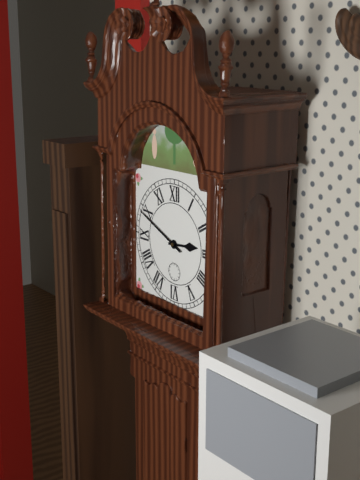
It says h=2 m=49
